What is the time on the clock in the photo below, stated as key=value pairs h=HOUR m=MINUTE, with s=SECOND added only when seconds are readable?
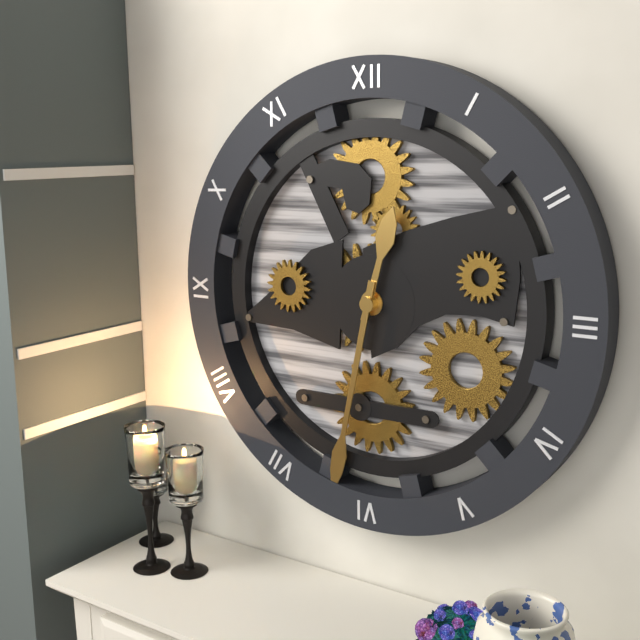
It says h=12 m=32
